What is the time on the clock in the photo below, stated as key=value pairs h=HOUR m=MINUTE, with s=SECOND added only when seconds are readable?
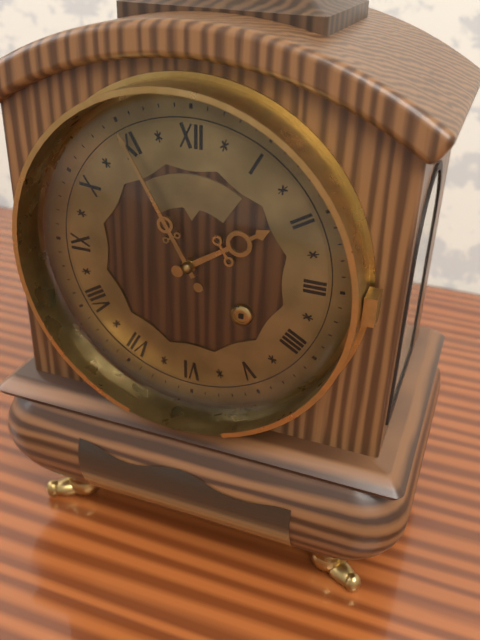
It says h=1 m=55
